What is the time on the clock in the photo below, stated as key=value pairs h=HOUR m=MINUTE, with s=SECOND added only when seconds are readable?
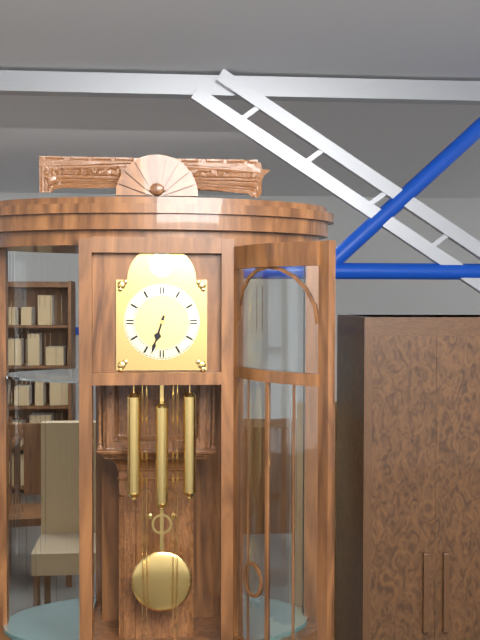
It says h=6 m=33
